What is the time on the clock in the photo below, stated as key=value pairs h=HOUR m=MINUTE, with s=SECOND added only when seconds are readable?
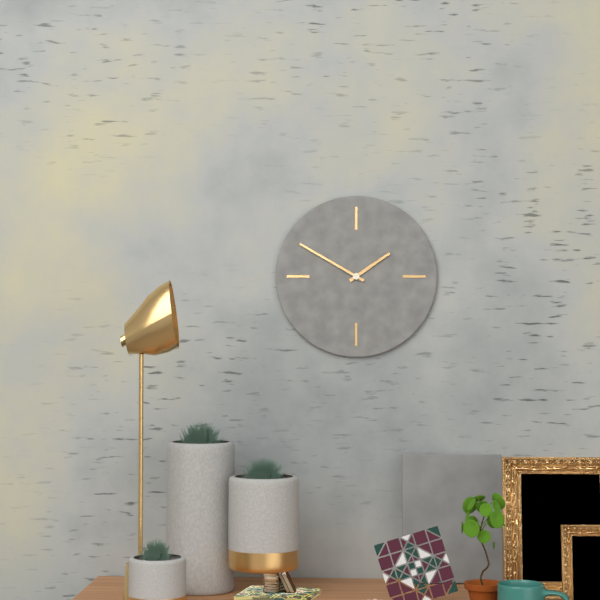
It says h=1 m=50
